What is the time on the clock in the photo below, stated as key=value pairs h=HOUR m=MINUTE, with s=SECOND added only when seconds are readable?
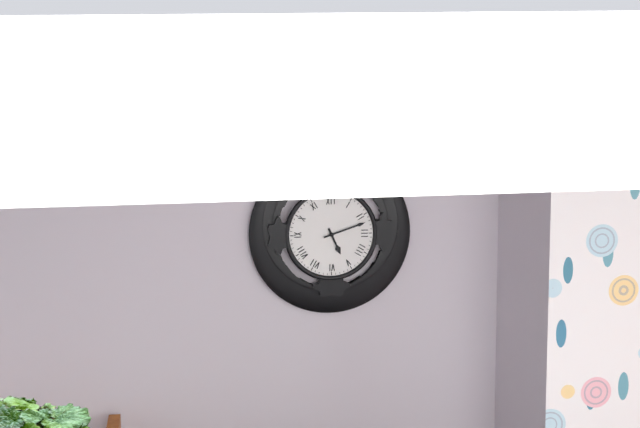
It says h=5 m=12
